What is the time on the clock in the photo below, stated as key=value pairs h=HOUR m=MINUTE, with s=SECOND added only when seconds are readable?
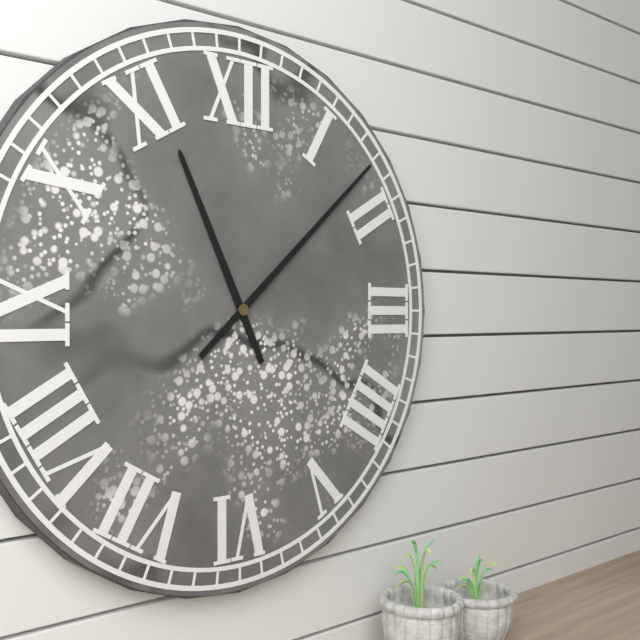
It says h=11 m=8
